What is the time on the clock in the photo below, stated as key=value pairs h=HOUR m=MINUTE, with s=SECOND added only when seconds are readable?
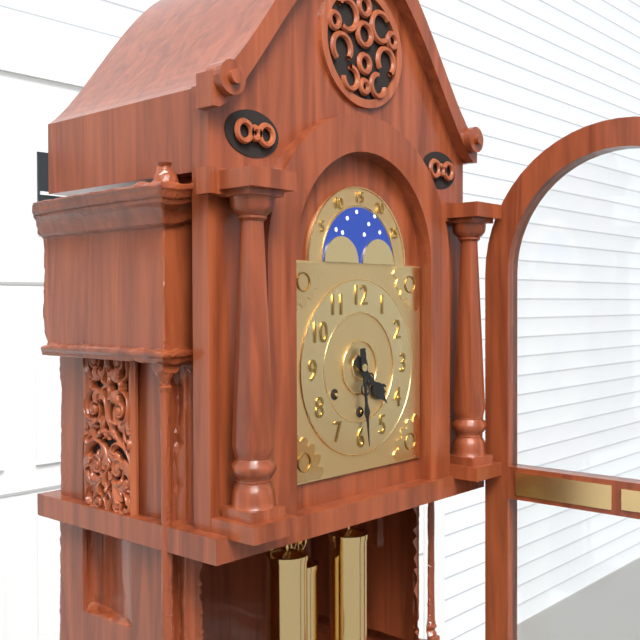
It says h=4 m=29
